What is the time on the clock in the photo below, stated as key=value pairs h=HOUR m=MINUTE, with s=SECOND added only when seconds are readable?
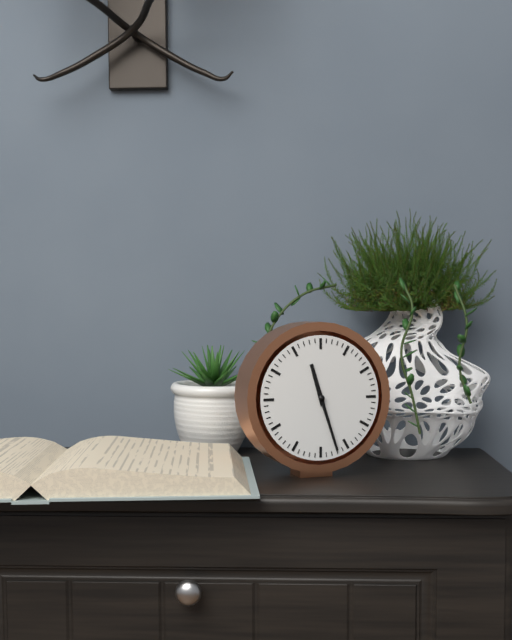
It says h=11 m=27
